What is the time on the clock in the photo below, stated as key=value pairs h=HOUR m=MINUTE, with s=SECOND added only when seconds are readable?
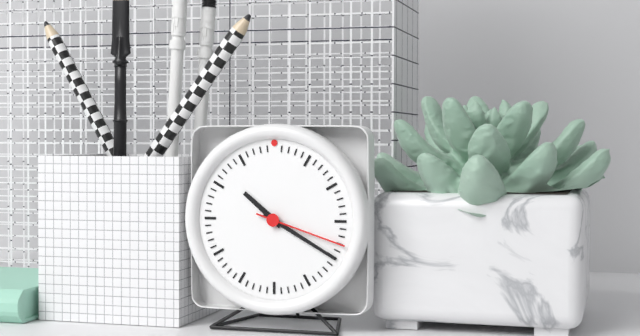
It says h=10 m=20 s=18
